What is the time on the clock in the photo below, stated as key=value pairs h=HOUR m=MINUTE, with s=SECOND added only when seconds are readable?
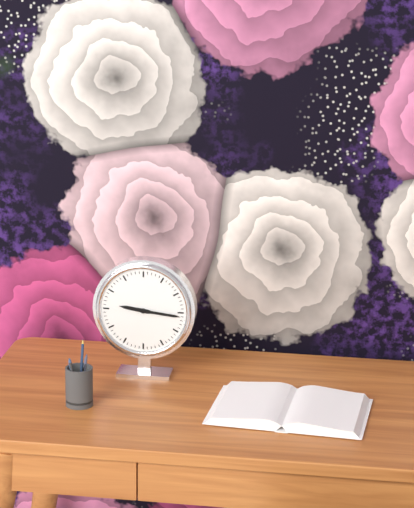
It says h=9 m=16
